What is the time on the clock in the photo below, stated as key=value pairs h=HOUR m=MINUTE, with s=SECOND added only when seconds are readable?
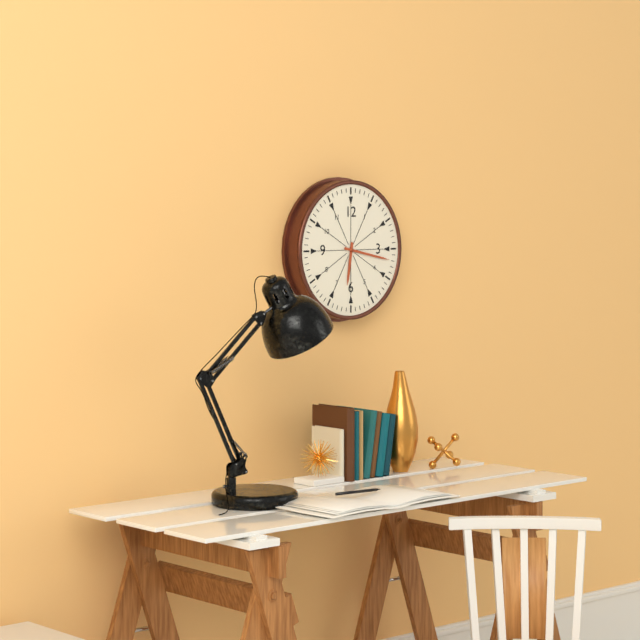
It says h=6 m=17
